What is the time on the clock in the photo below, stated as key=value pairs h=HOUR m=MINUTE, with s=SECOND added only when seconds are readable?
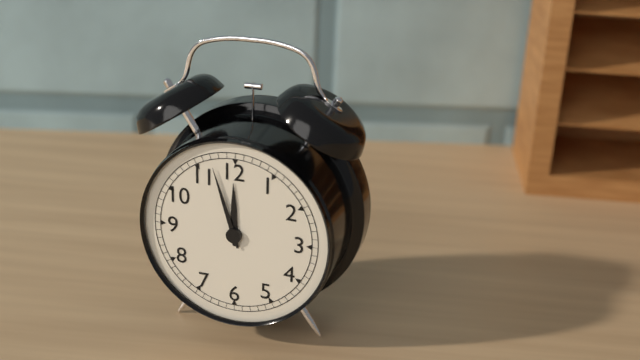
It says h=11 m=57
